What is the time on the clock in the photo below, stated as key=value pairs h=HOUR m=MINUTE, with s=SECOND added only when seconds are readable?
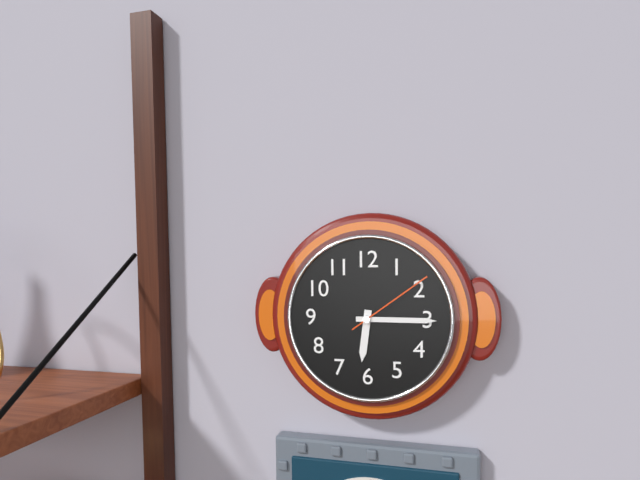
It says h=6 m=15 s=9
